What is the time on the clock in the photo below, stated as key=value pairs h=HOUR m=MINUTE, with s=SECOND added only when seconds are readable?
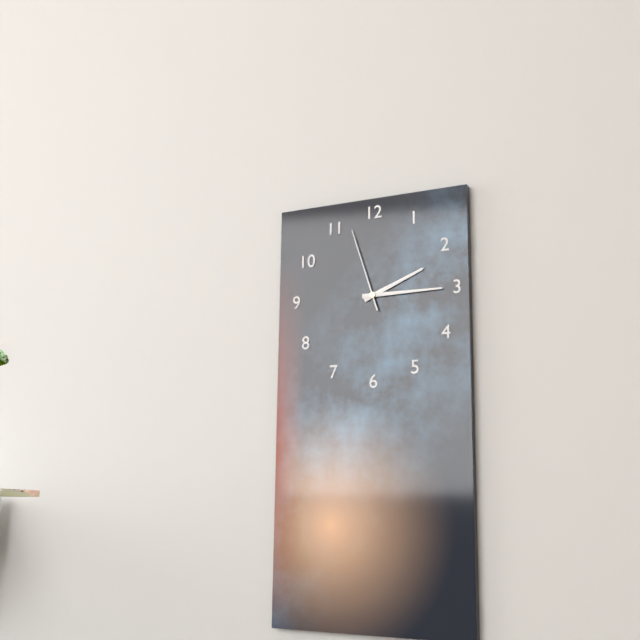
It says h=2 m=15 s=57
